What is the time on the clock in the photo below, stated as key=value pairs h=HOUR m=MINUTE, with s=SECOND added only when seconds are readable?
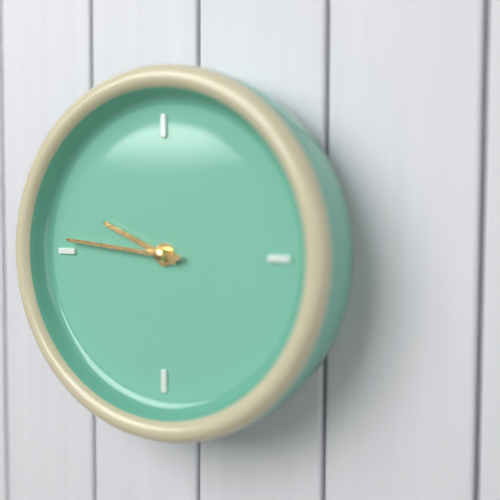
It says h=9 m=46
